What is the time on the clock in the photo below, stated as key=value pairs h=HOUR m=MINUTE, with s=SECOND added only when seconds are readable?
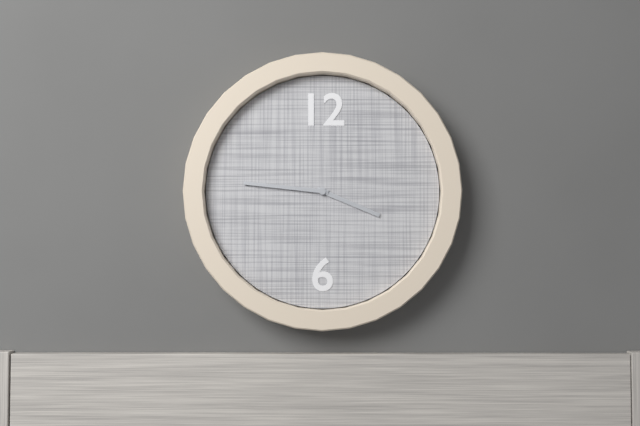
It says h=3 m=46
